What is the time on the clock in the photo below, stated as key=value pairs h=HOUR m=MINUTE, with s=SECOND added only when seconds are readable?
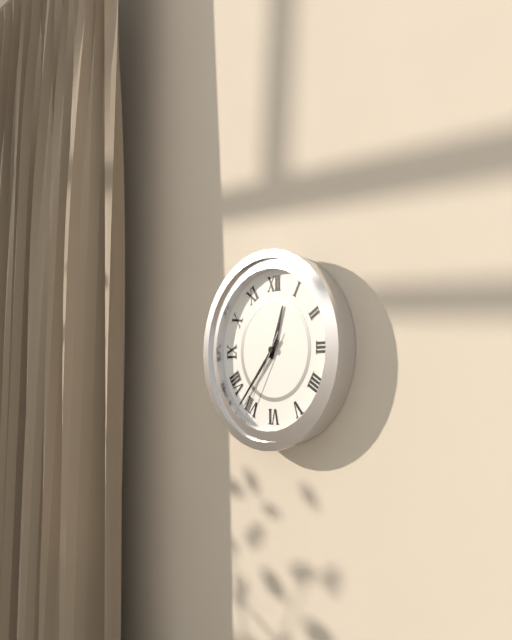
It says h=12 m=37 s=35
